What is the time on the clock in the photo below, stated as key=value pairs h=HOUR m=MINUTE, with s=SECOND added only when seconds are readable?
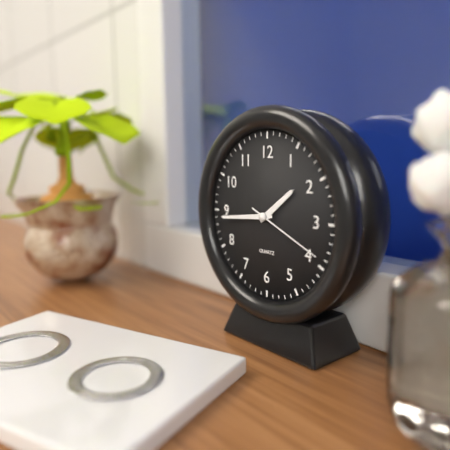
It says h=1 m=44 s=19
